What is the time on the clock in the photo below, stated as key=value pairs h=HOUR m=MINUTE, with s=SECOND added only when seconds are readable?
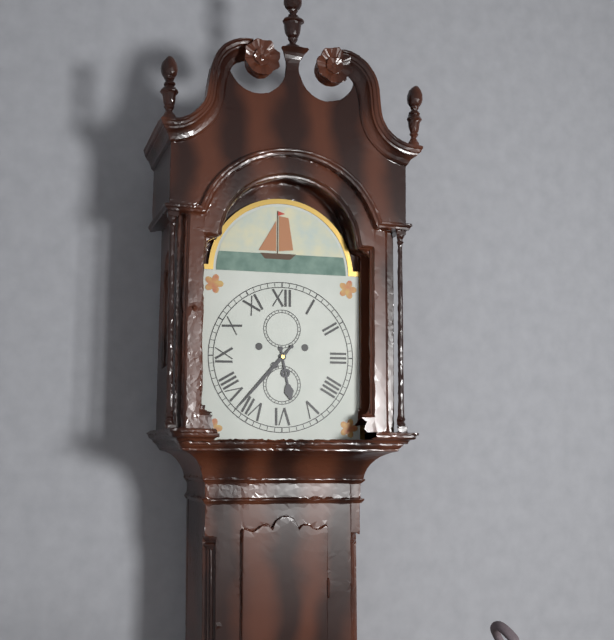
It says h=5 m=37
